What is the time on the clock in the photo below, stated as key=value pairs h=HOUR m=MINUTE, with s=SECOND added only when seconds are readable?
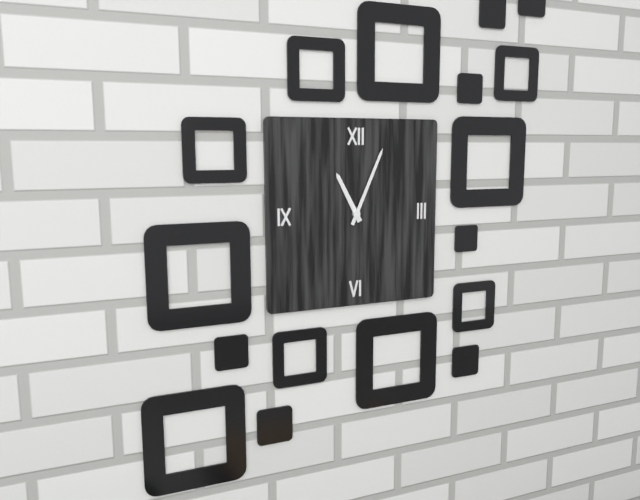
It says h=11 m=4
